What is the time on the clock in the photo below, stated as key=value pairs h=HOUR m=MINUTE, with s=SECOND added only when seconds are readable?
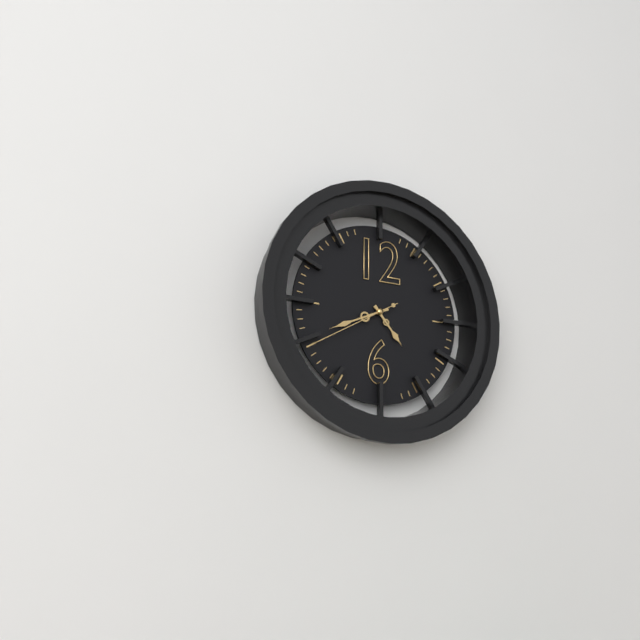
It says h=4 m=41 s=40
